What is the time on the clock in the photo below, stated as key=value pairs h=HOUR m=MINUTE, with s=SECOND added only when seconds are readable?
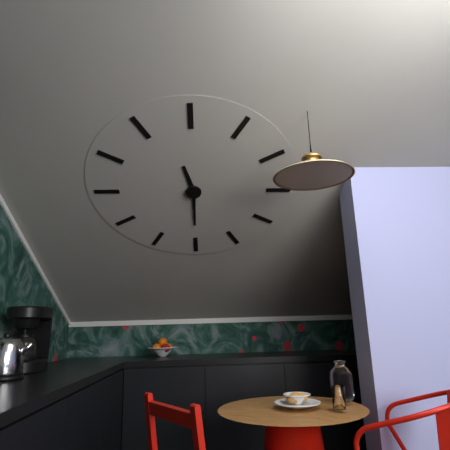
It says h=11 m=30
